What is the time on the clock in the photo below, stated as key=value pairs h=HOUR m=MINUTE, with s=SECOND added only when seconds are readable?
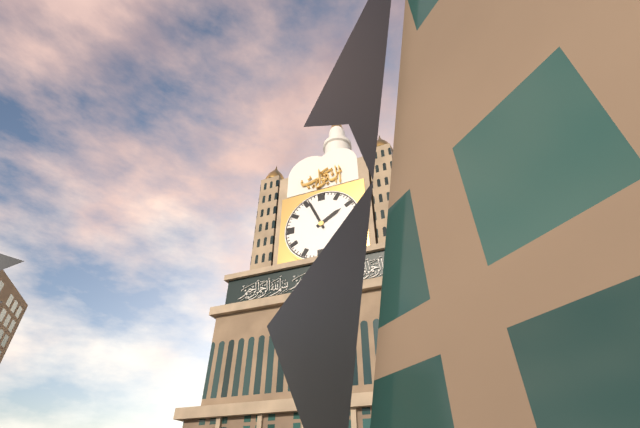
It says h=1 m=56
